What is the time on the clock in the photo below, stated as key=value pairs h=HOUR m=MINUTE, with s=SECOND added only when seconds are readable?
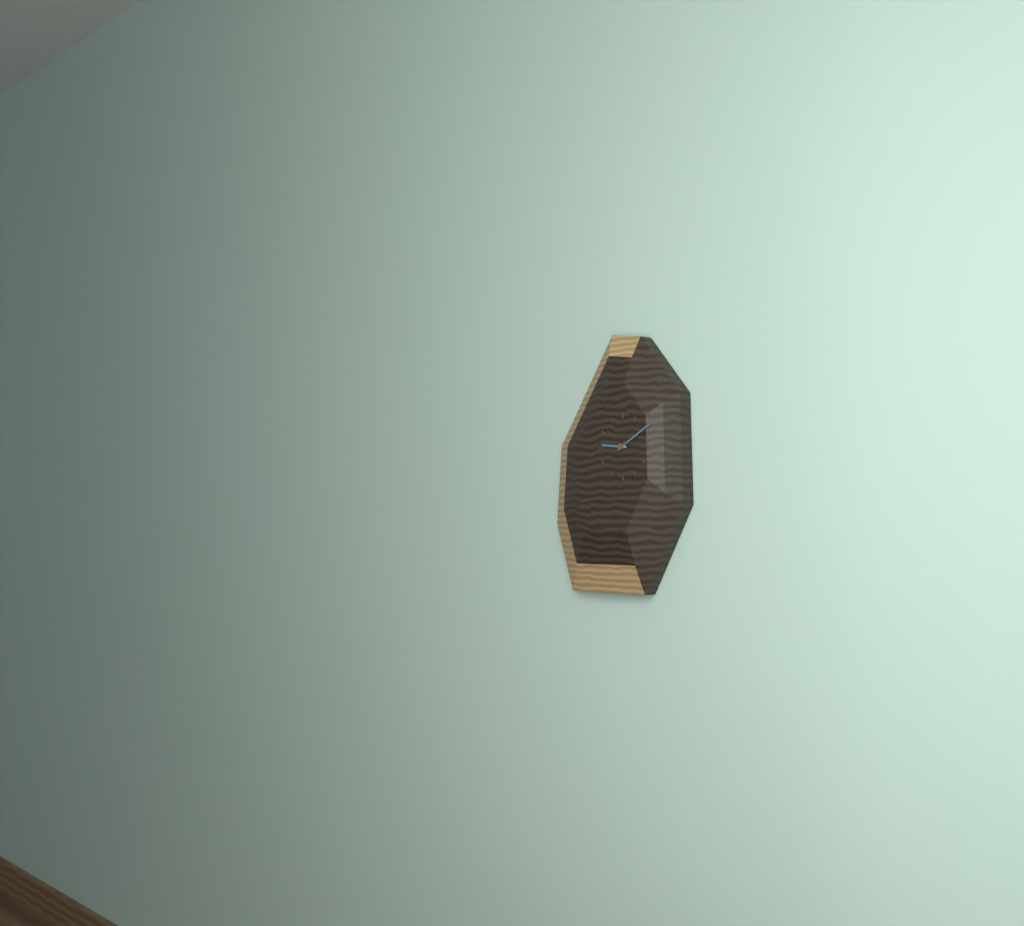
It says h=9 m=10
